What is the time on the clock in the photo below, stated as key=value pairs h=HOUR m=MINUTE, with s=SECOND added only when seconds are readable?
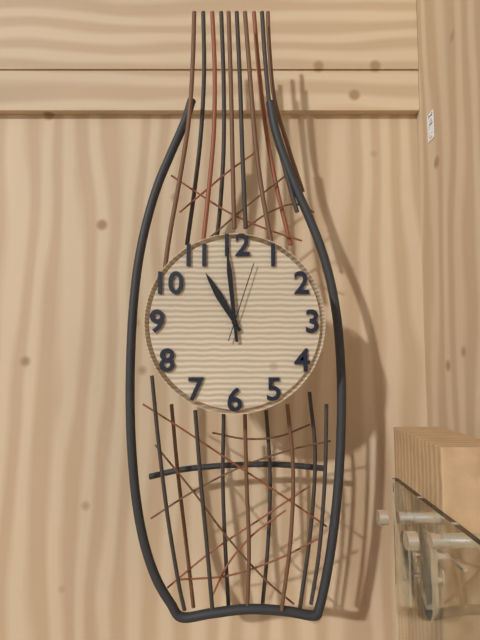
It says h=10 m=59 s=3
